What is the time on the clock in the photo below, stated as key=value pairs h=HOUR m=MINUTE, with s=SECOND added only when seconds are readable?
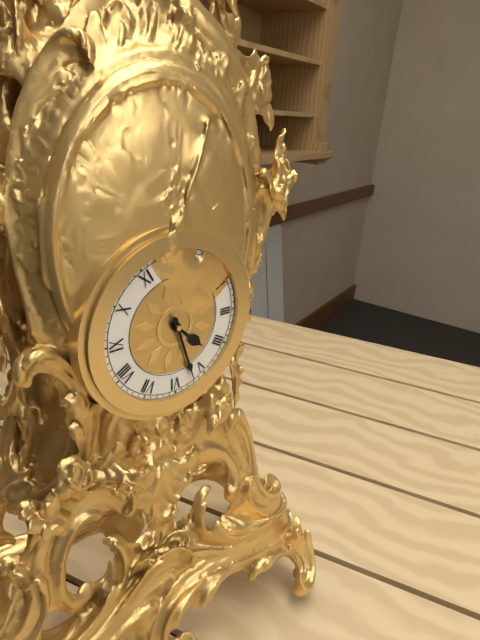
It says h=4 m=27
